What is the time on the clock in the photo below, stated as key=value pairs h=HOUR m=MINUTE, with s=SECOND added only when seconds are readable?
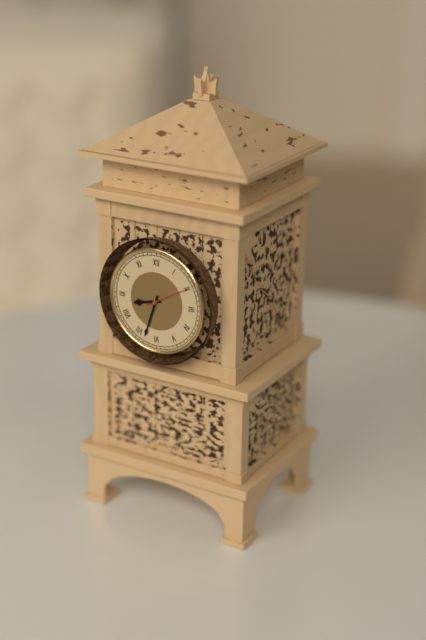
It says h=8 m=33
